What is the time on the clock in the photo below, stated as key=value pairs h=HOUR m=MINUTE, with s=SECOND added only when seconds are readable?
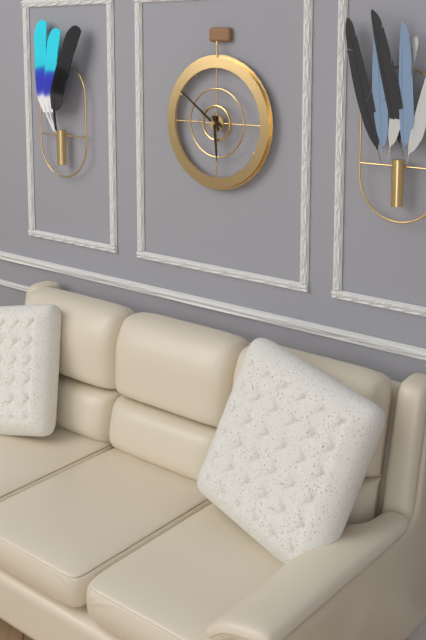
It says h=5 m=51
